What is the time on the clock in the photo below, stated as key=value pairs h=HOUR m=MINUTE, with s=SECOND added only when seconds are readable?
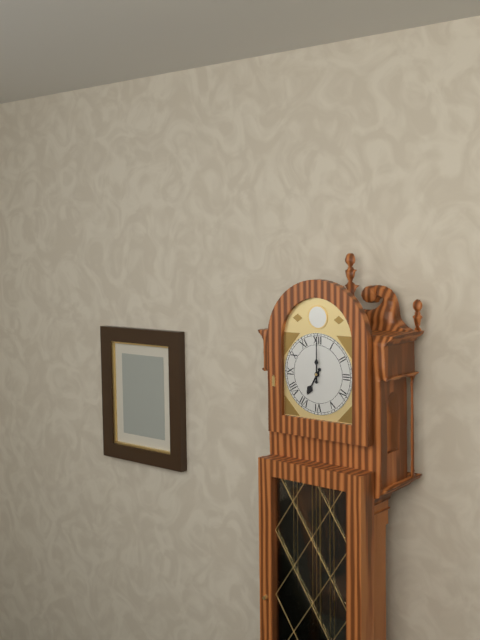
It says h=7 m=0
